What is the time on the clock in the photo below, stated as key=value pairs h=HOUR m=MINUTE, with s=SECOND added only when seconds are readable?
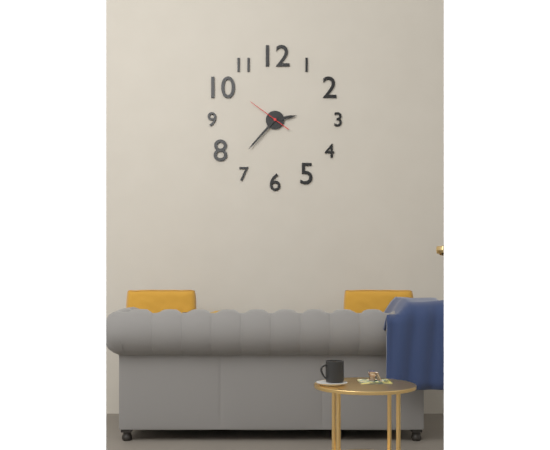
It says h=2 m=37
